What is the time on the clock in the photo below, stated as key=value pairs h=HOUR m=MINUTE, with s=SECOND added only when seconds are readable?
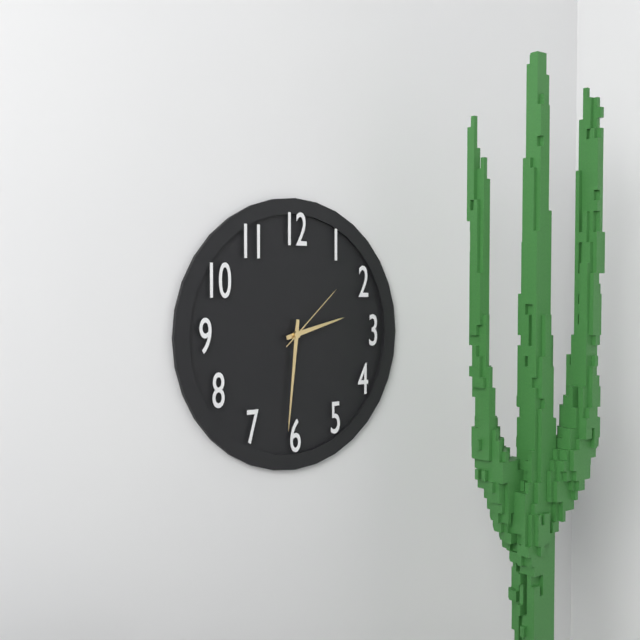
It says h=2 m=31 s=8
